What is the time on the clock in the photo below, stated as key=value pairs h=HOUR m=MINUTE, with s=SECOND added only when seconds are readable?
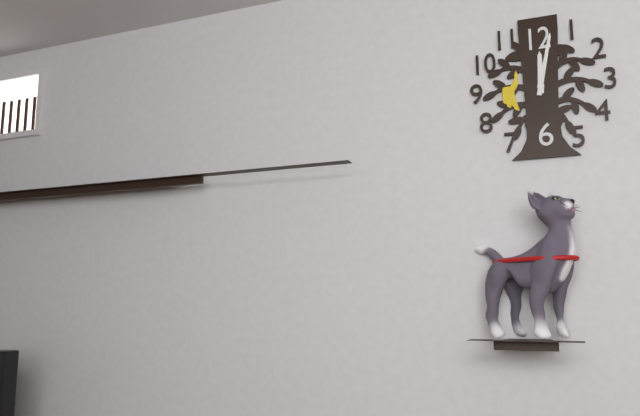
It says h=12 m=2
